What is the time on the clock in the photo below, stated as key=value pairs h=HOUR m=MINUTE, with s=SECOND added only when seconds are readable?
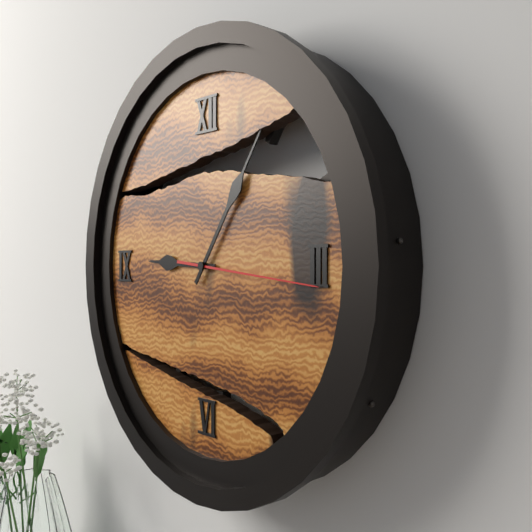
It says h=9 m=6 s=16
